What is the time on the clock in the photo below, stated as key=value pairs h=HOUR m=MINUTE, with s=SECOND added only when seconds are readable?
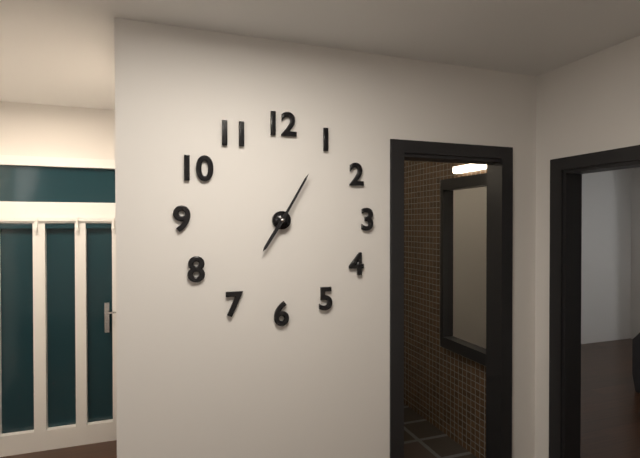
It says h=7 m=5
